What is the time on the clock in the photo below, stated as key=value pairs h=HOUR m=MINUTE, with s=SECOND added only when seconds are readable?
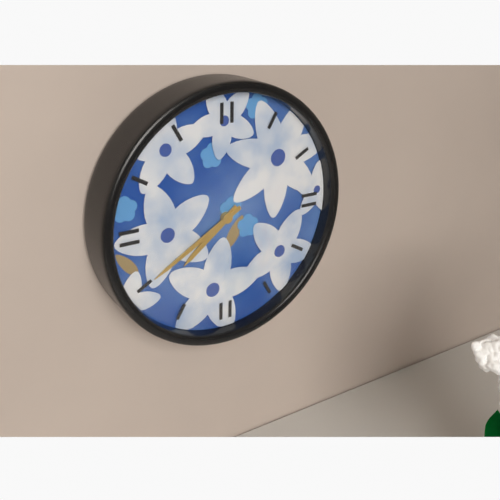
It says h=7 m=40
